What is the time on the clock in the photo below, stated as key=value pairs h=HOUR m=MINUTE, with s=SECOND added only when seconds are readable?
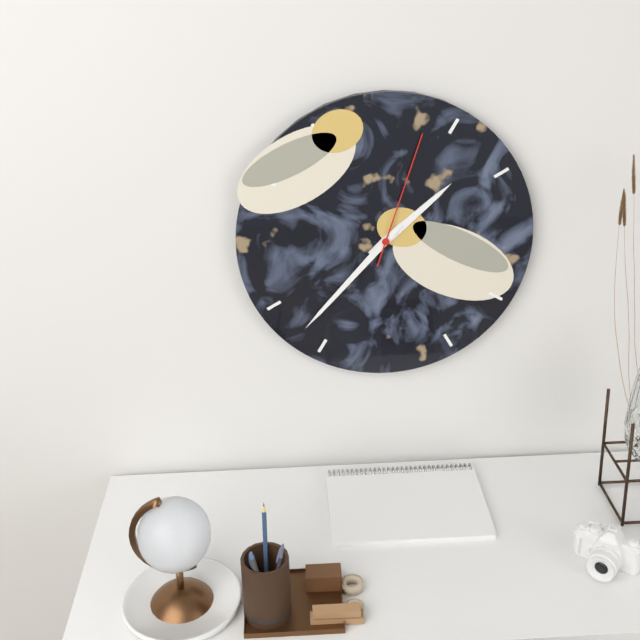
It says h=1 m=37 s=3
